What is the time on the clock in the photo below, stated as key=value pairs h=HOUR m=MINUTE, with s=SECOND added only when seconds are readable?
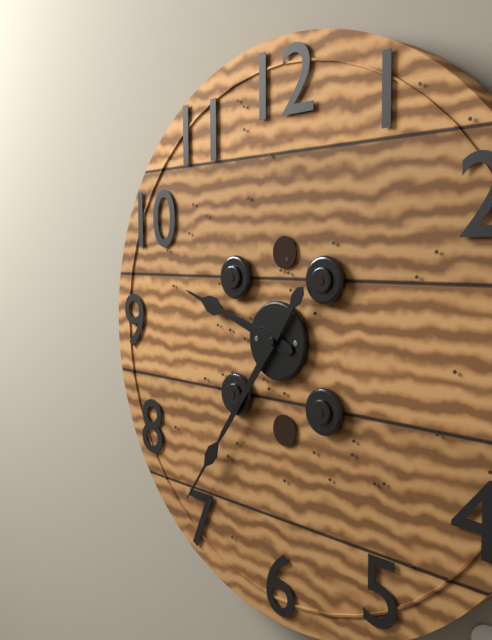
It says h=9 m=36
